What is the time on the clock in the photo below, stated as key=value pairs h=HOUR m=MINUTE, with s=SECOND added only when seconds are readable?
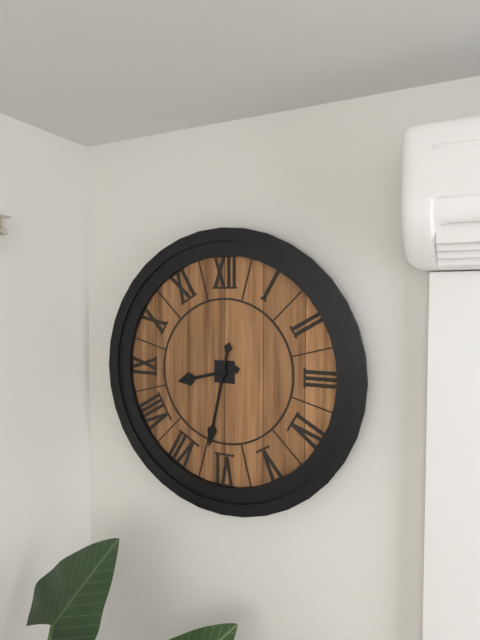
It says h=8 m=32
